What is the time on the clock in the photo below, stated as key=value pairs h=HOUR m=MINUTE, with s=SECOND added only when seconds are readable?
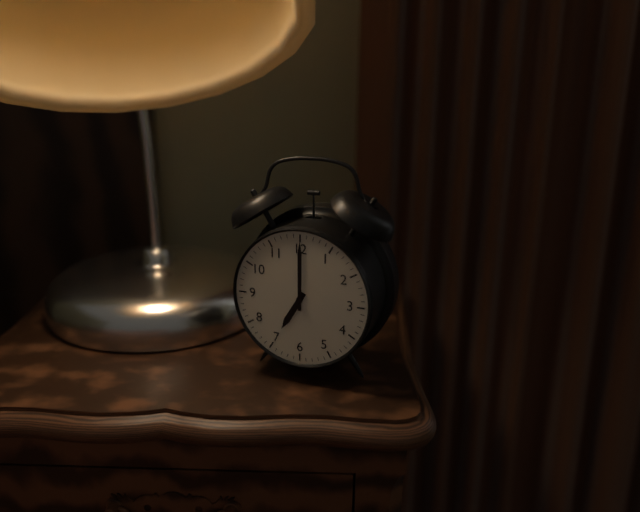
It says h=7 m=0
